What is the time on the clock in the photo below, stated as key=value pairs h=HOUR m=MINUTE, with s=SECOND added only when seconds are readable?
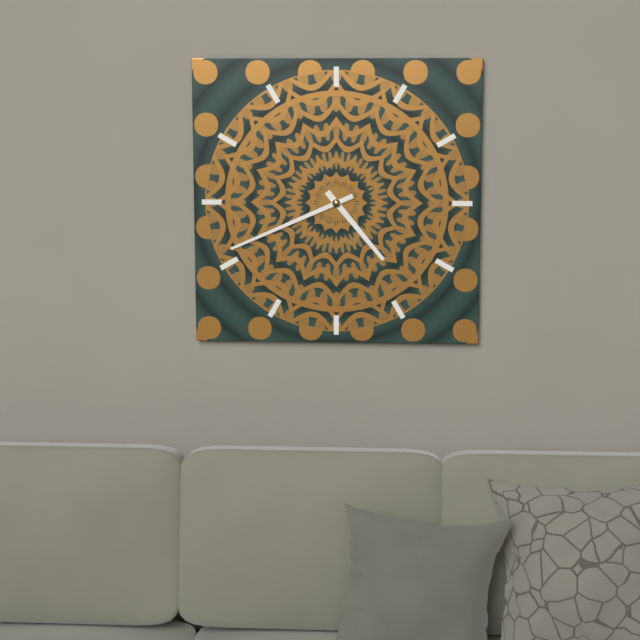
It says h=4 m=41
